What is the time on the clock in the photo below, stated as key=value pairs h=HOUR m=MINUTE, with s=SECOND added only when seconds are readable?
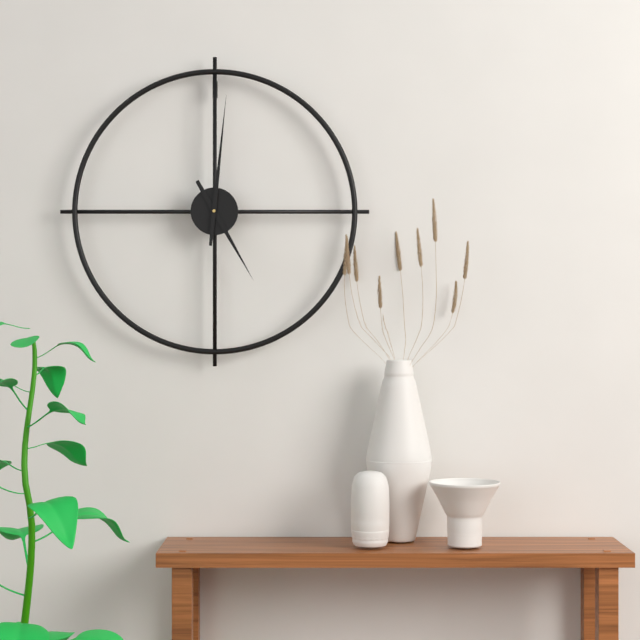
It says h=5 m=1
